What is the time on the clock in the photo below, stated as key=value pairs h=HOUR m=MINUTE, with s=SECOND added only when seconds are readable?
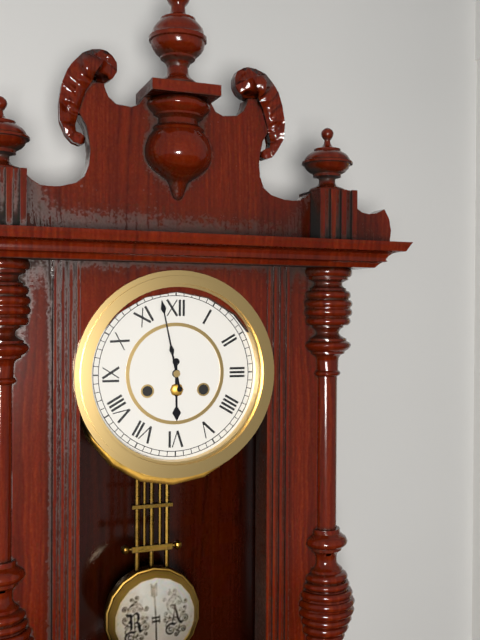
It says h=5 m=58
